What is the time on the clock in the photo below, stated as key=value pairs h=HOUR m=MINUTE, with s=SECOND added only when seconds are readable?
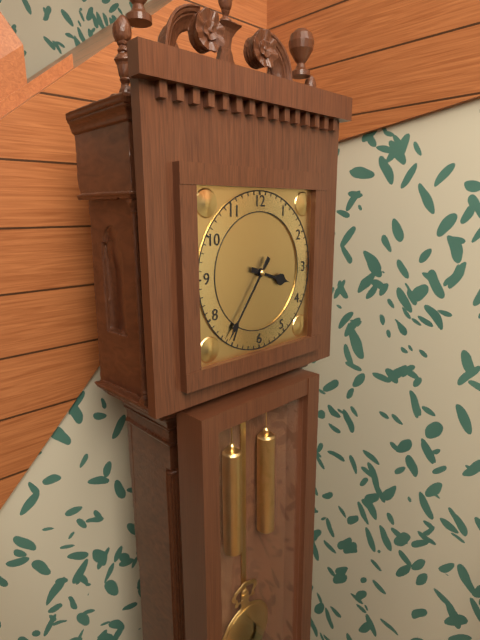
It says h=3 m=36
